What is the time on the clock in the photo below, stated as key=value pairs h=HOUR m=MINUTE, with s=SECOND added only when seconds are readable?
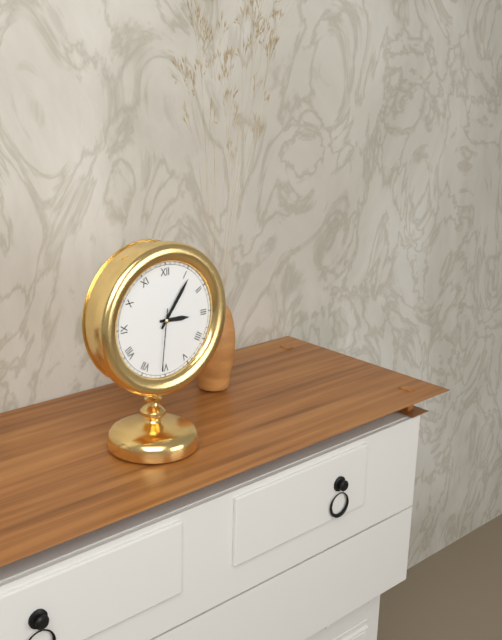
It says h=3 m=6 s=31
